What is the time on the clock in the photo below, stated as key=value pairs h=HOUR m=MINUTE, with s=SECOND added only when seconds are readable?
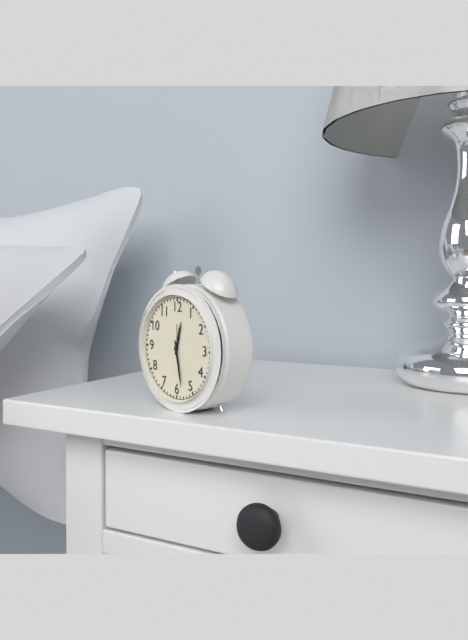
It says h=12 m=28
